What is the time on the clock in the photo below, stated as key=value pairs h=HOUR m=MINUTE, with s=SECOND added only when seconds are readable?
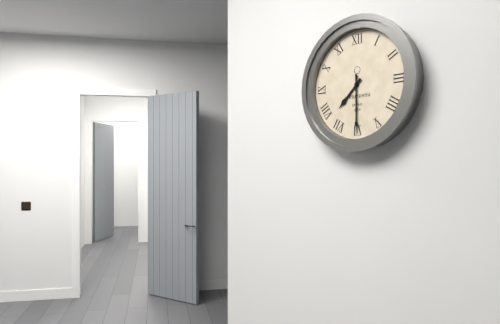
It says h=7 m=30
